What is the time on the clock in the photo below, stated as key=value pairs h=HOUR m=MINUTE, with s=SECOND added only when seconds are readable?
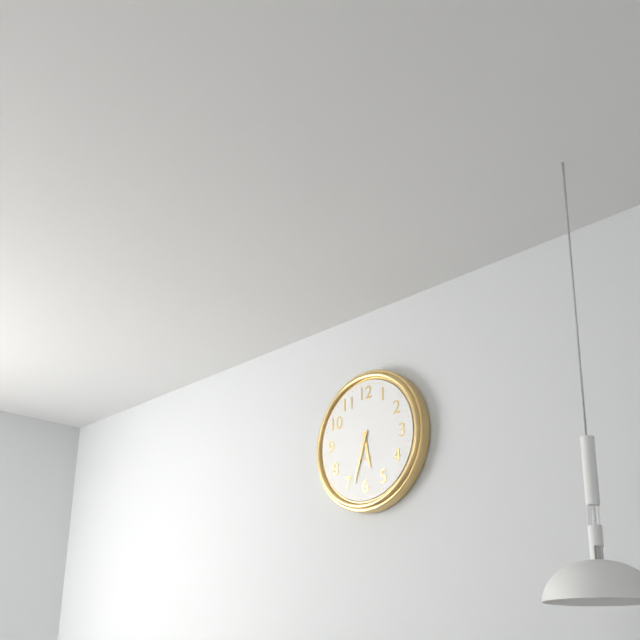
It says h=5 m=33
